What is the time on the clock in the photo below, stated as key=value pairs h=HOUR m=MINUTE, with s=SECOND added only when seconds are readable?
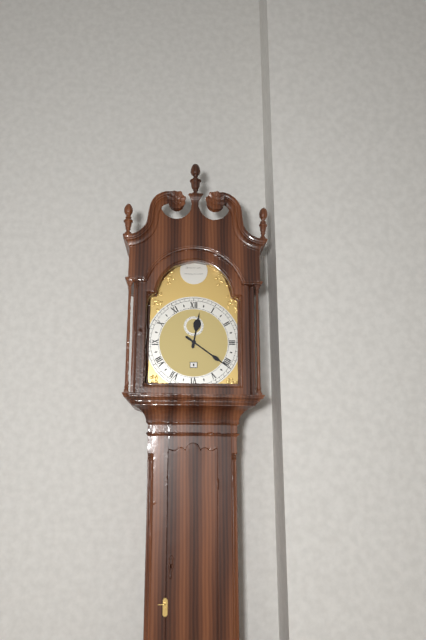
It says h=12 m=21
